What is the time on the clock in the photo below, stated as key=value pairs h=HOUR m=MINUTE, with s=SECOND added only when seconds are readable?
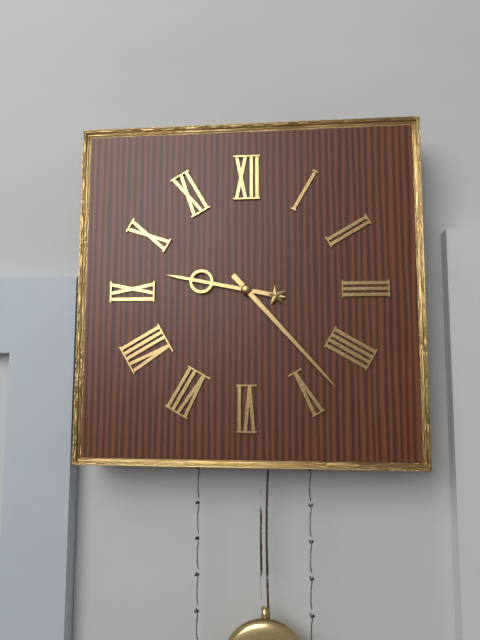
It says h=9 m=23
